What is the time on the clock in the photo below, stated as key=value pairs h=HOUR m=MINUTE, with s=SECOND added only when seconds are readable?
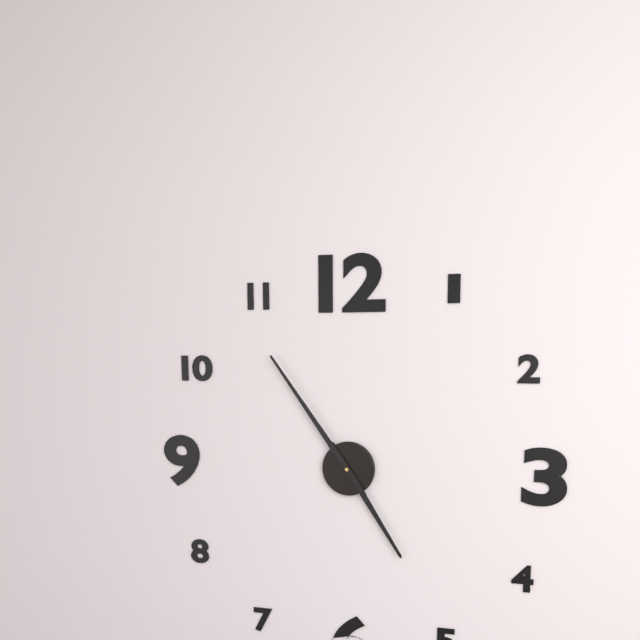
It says h=4 m=54
